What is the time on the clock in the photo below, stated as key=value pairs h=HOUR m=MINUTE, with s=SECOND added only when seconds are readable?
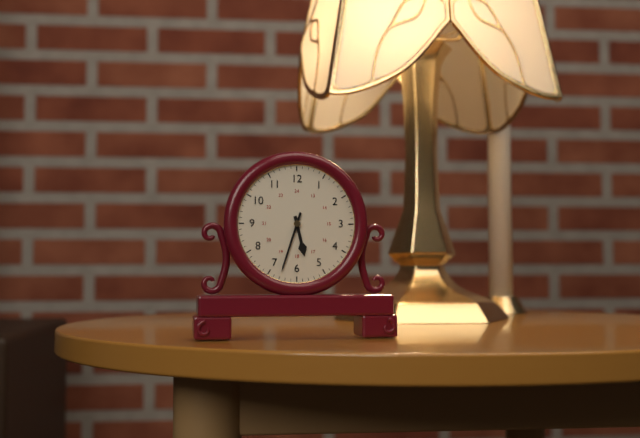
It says h=5 m=33
